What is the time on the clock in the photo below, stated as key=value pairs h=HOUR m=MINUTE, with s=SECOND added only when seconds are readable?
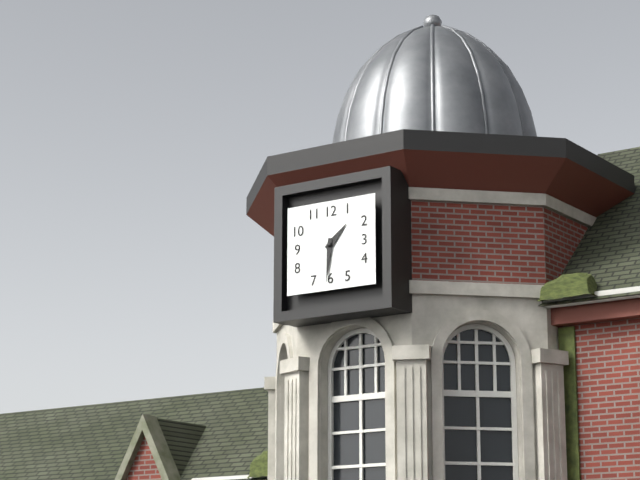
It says h=1 m=31
